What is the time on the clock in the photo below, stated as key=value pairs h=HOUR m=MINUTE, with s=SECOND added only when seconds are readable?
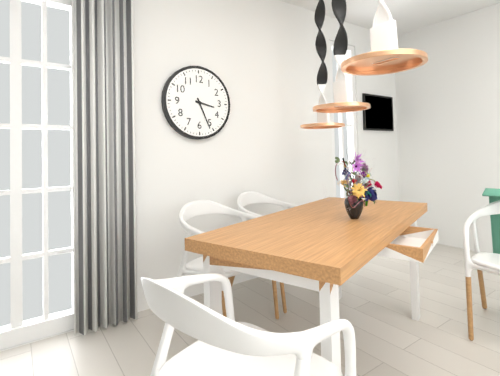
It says h=3 m=26
